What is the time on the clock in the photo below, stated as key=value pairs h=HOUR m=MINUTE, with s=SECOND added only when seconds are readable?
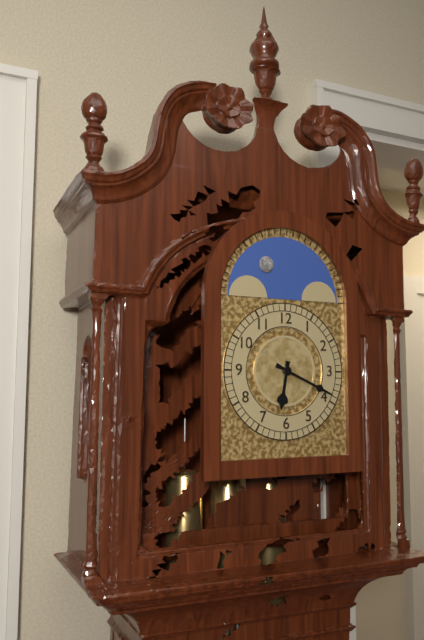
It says h=6 m=19
